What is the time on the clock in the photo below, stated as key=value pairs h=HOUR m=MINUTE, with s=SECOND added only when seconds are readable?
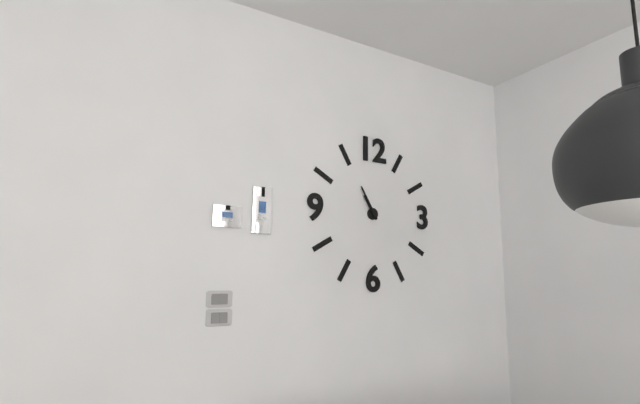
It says h=10 m=55
